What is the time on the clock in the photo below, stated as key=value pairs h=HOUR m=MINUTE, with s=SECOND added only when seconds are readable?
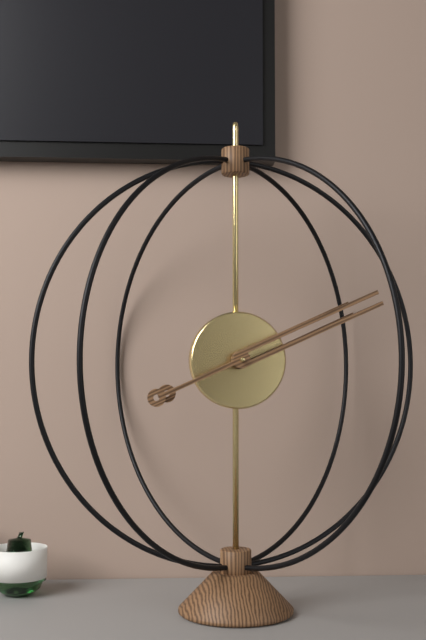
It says h=2 m=11
